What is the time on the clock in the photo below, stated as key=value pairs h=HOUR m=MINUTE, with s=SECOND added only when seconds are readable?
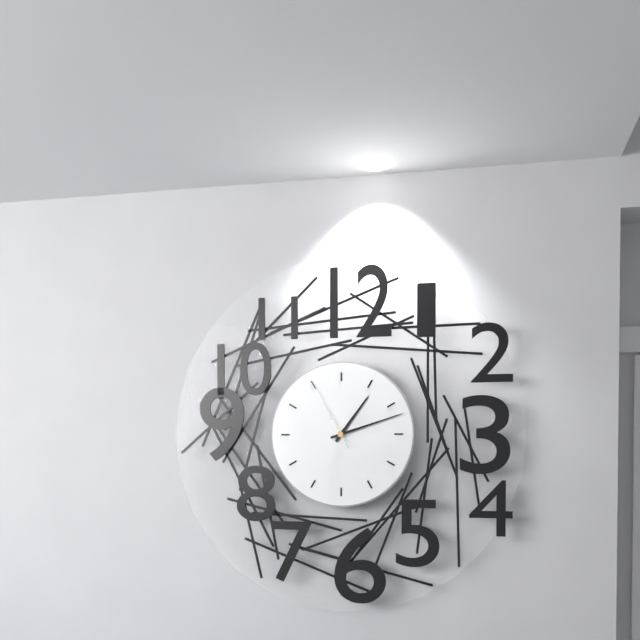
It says h=1 m=12 s=55
